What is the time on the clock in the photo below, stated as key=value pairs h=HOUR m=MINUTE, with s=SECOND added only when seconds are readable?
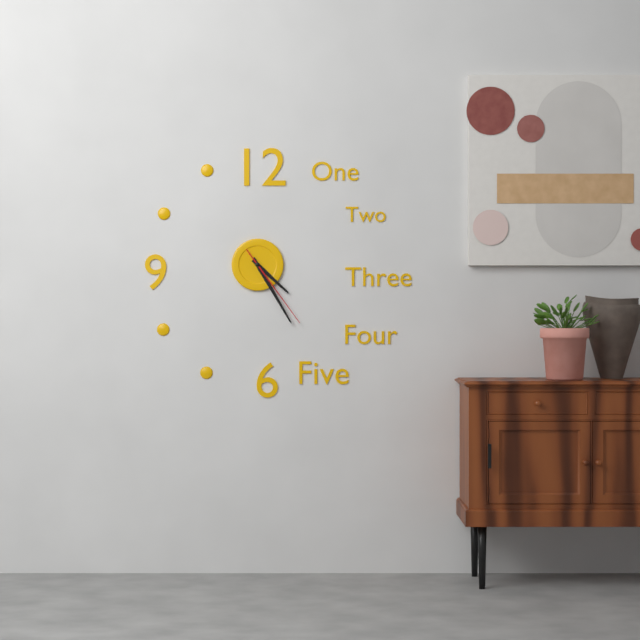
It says h=4 m=25 s=24
